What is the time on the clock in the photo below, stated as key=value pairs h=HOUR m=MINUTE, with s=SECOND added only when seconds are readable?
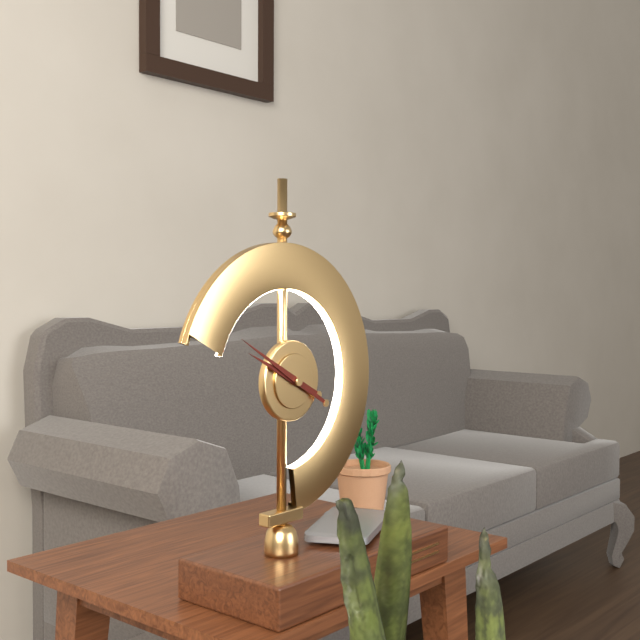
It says h=9 m=50
